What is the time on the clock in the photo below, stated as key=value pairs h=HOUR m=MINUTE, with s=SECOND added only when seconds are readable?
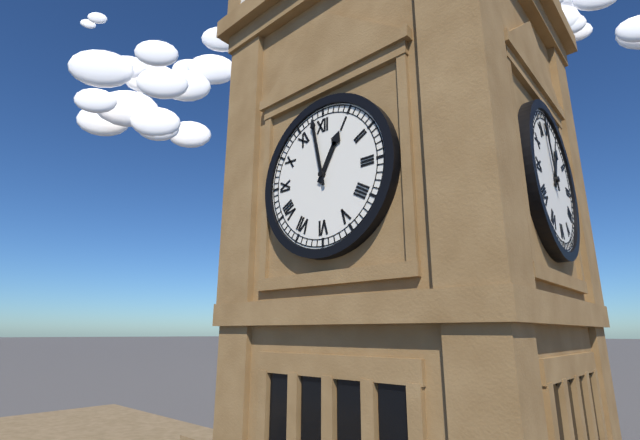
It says h=12 m=58
